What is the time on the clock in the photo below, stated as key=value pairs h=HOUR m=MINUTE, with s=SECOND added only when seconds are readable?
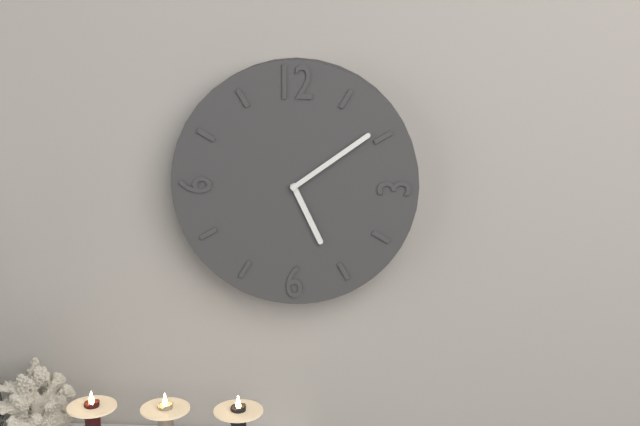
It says h=5 m=9
